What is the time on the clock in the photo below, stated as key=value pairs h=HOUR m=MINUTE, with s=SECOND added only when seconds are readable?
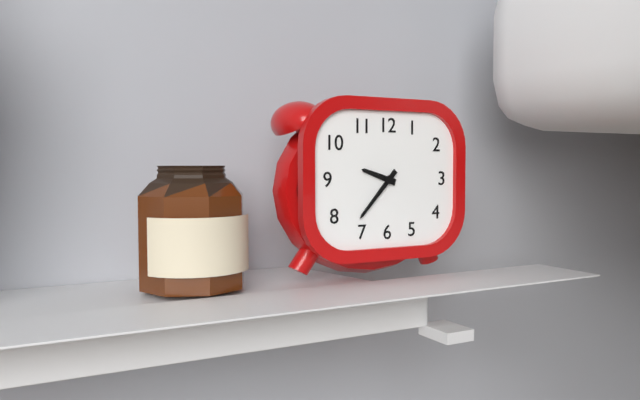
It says h=9 m=37
